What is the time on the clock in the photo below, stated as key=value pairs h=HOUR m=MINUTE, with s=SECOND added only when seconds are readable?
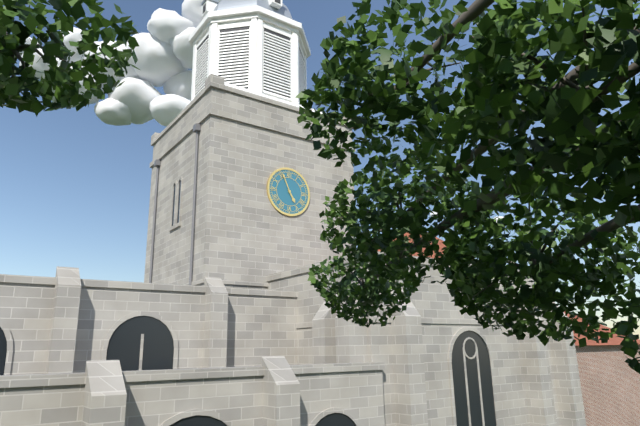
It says h=4 m=56
